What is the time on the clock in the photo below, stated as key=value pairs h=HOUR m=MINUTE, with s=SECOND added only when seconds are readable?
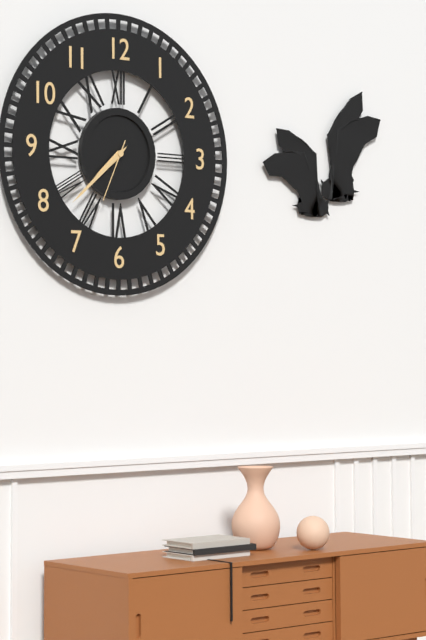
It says h=7 m=38 s=34
